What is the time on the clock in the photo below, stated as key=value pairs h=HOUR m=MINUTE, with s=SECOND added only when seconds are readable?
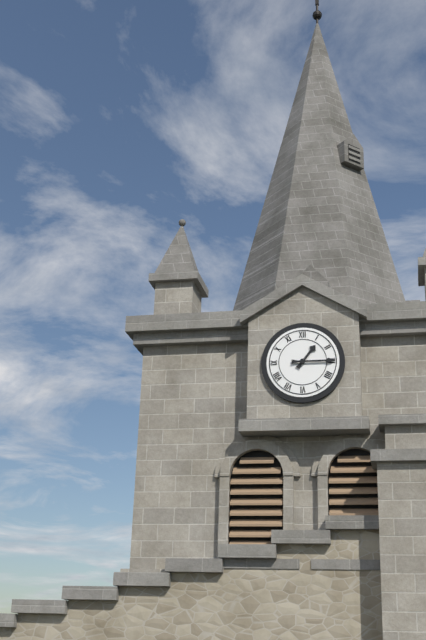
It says h=1 m=15
